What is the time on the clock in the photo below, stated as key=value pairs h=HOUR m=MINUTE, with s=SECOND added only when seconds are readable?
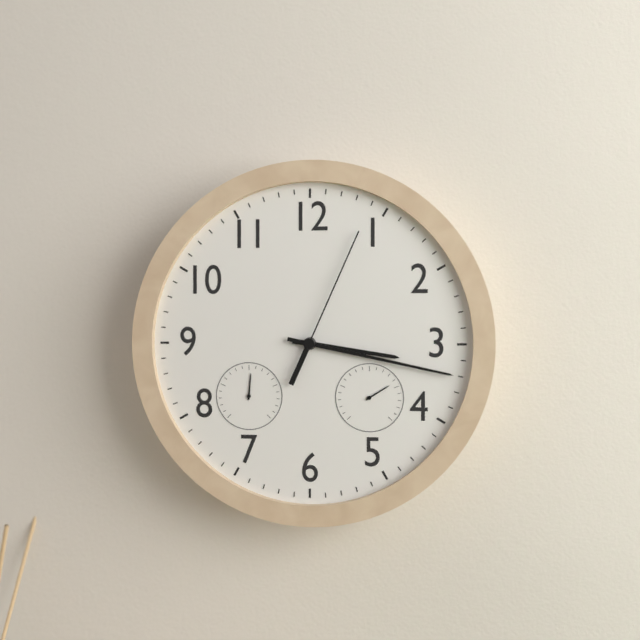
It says h=3 m=17 s=4
